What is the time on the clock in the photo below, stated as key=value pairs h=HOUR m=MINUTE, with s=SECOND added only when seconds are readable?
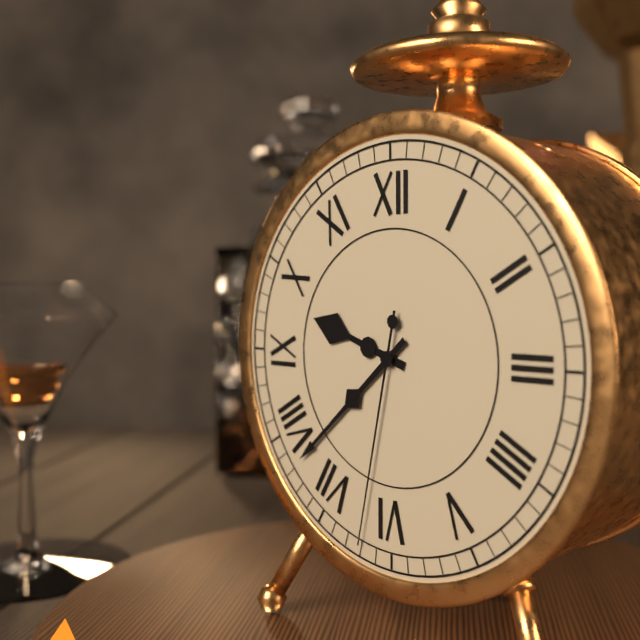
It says h=9 m=38 s=32
